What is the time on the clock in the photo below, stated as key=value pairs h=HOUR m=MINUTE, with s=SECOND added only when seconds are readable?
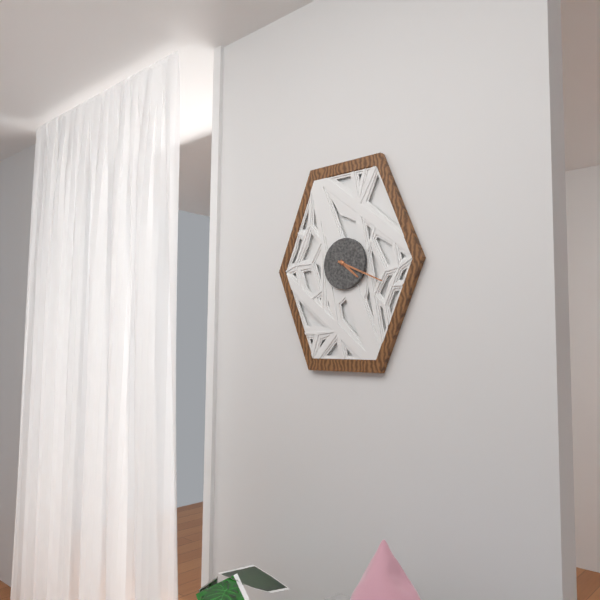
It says h=4 m=19
